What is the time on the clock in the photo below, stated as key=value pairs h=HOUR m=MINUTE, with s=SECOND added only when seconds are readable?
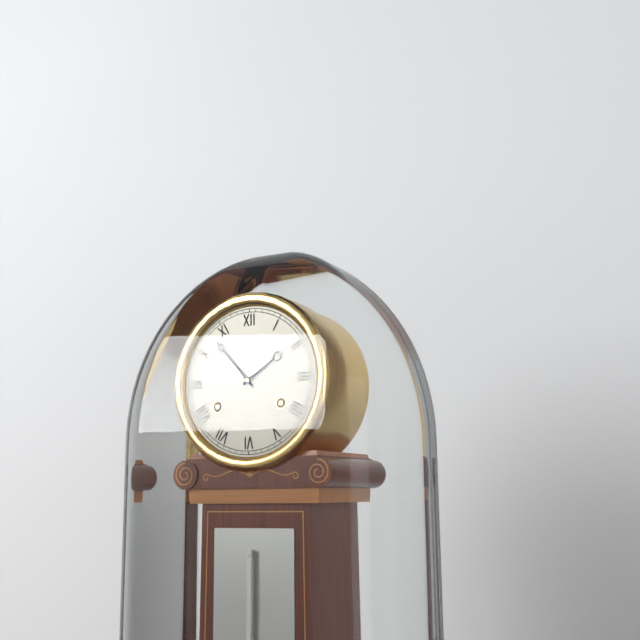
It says h=1 m=53
